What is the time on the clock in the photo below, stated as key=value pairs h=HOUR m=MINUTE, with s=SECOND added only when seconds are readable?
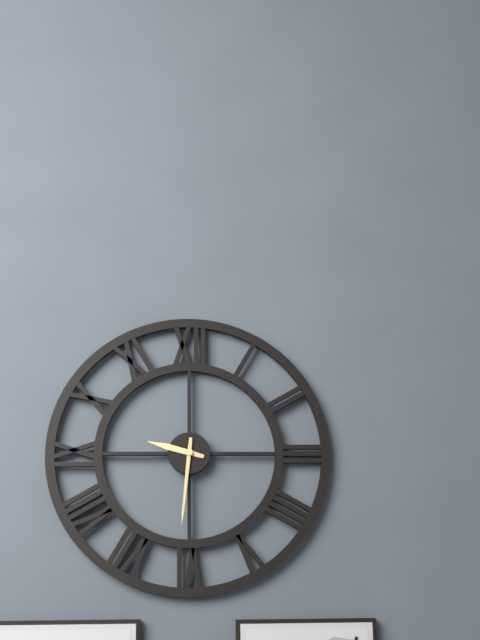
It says h=9 m=31
